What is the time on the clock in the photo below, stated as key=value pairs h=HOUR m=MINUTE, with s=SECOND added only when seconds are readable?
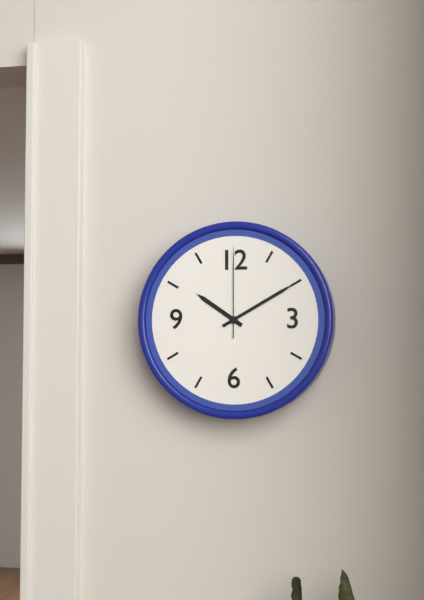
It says h=10 m=10 s=0
